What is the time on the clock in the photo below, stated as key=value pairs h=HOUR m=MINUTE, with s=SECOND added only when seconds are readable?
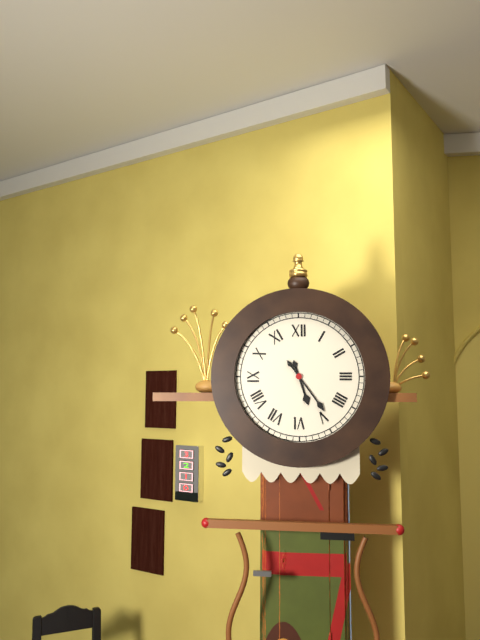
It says h=5 m=24
